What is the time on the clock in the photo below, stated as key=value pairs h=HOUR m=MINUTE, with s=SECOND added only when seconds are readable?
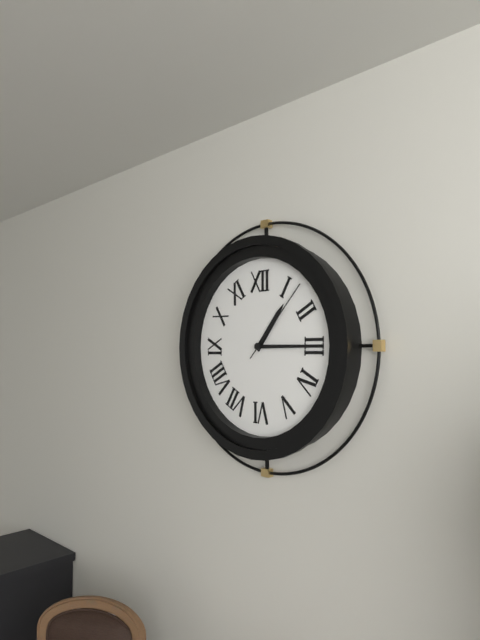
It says h=1 m=15 s=7
